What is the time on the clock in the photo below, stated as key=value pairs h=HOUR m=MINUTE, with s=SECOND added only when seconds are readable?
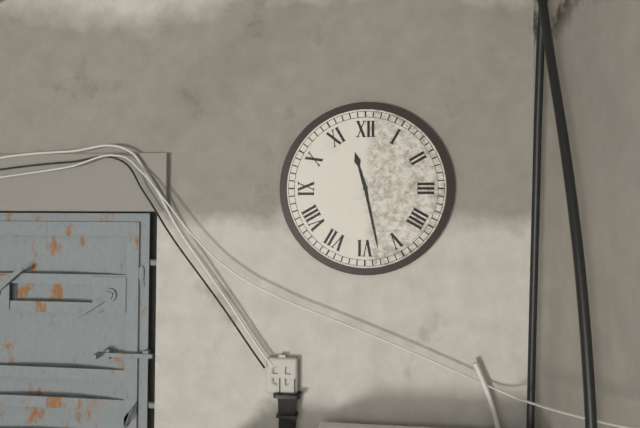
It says h=11 m=28
